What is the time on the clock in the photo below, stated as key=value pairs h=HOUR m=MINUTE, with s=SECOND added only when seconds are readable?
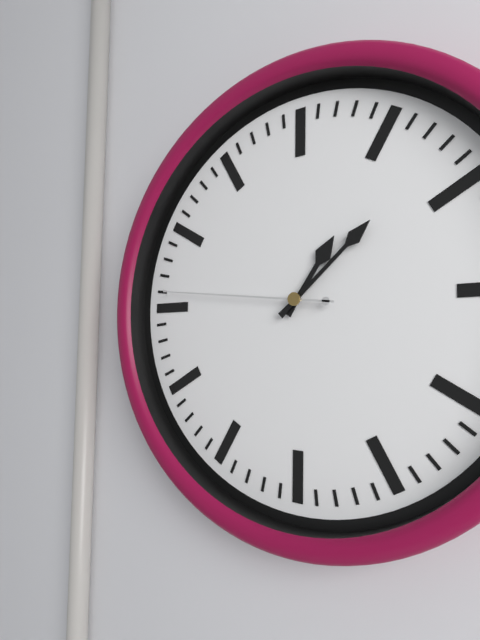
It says h=1 m=8 s=46
